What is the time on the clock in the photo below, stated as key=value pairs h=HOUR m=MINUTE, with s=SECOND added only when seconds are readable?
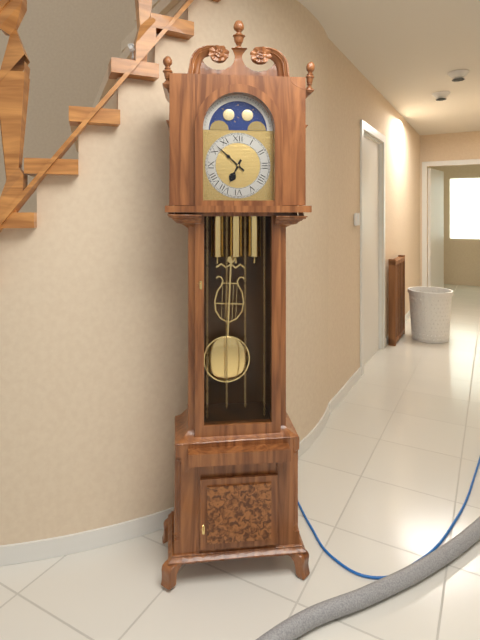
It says h=6 m=52
